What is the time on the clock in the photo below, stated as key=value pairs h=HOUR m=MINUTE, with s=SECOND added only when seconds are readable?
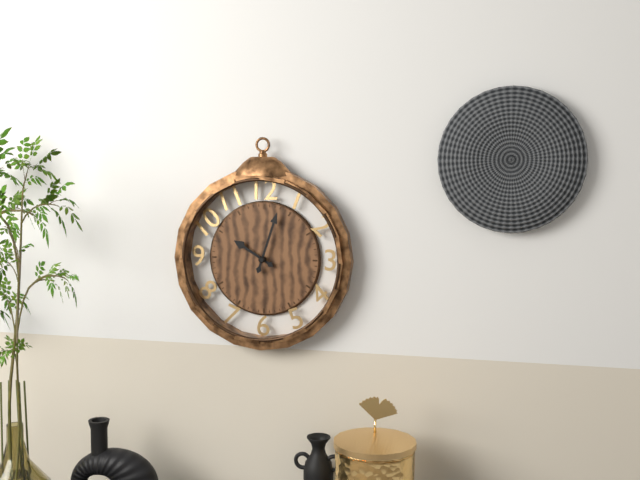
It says h=10 m=3
